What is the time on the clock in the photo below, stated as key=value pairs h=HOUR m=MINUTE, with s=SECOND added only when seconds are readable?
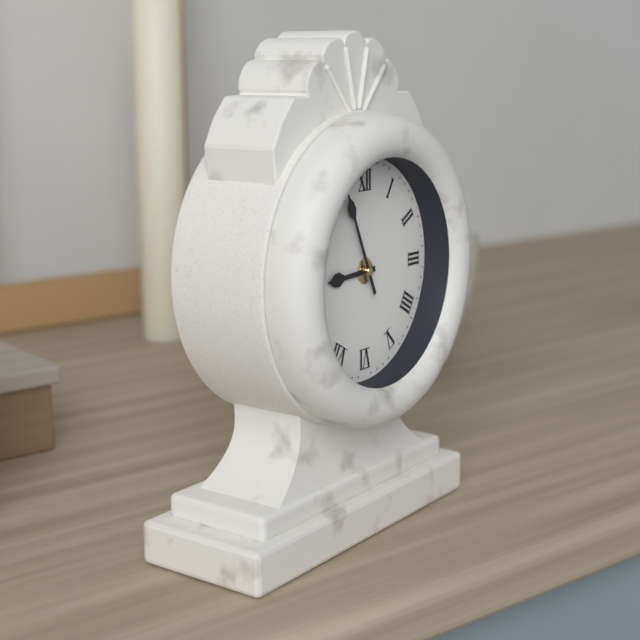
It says h=8 m=56
